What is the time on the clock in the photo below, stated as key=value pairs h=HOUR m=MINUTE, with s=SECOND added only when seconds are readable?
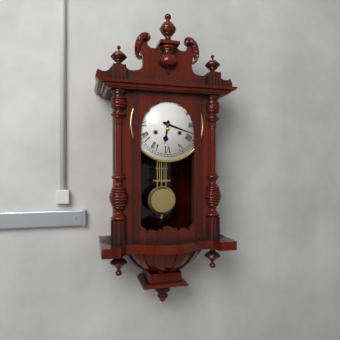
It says h=6 m=18
